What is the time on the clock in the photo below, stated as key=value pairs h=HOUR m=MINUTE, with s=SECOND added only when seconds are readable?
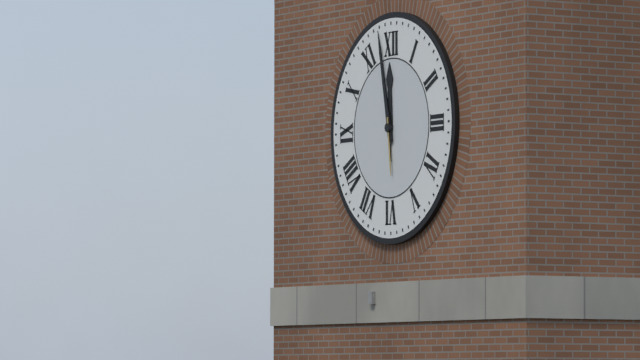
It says h=11 m=58 s=29
